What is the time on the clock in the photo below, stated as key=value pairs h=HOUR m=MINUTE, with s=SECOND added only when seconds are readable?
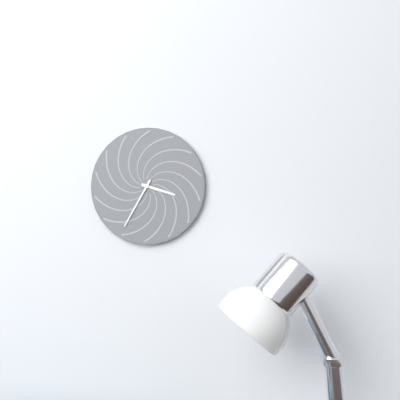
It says h=3 m=35
